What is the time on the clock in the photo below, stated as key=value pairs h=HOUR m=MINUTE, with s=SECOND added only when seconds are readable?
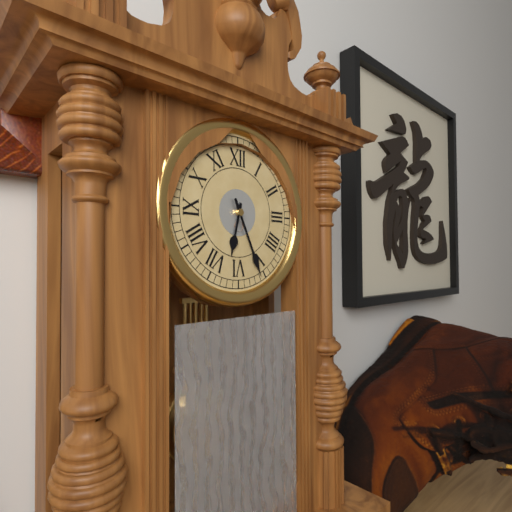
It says h=6 m=26
